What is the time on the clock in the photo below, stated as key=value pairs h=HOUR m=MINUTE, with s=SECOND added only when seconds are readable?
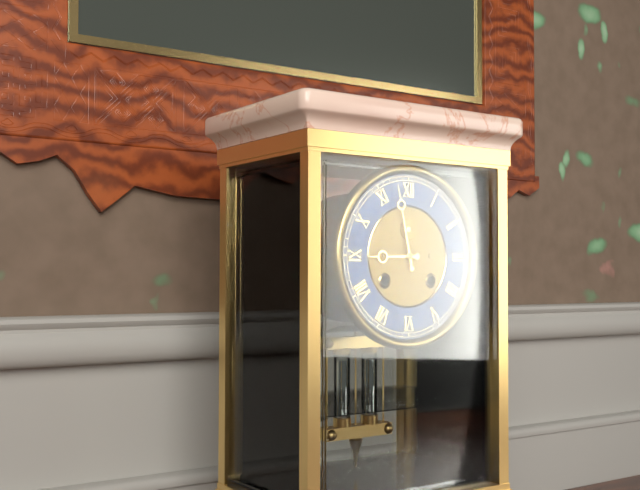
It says h=8 m=58
